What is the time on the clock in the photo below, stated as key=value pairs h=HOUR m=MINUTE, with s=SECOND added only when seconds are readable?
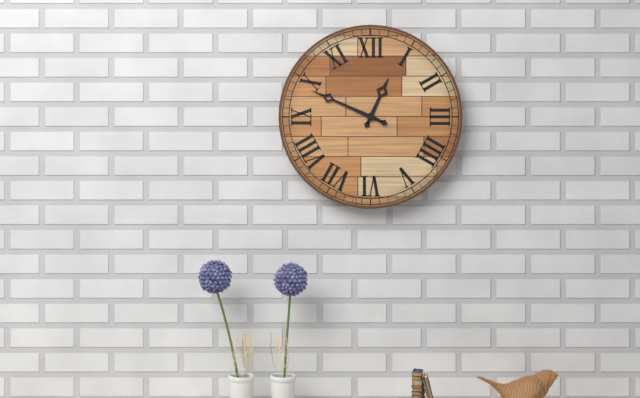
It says h=12 m=49
